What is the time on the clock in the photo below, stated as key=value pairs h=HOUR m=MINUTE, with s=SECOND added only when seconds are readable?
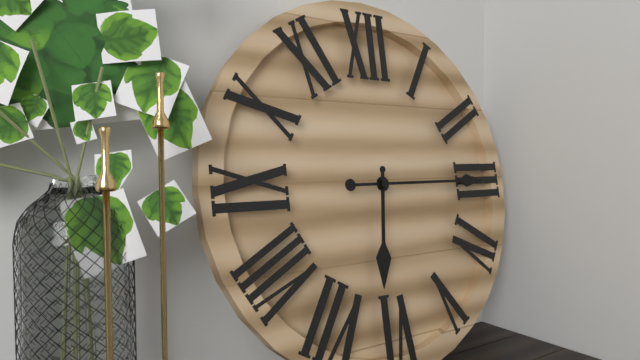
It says h=6 m=15
